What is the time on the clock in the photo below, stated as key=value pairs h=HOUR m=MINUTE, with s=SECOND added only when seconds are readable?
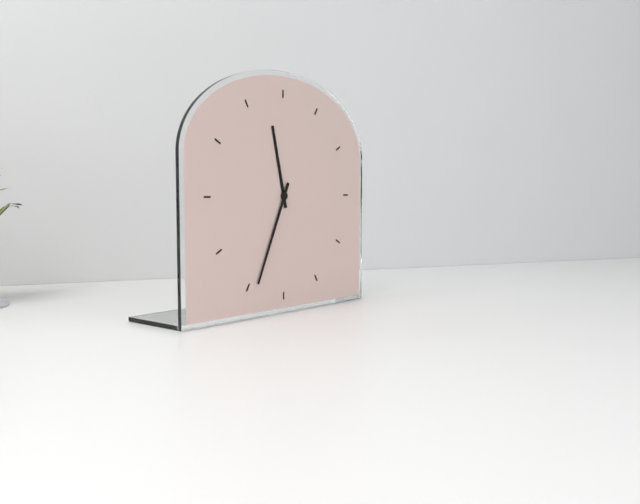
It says h=11 m=34
